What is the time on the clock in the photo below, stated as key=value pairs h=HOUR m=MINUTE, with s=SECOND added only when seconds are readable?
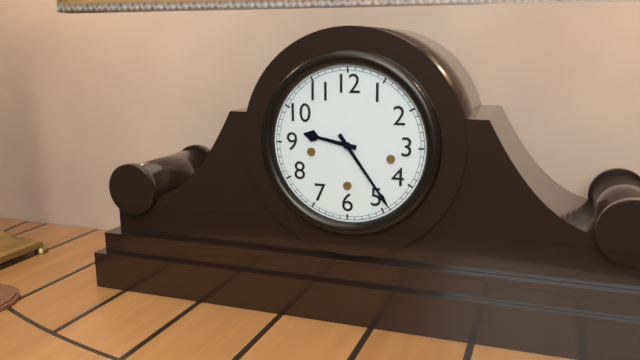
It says h=9 m=24
